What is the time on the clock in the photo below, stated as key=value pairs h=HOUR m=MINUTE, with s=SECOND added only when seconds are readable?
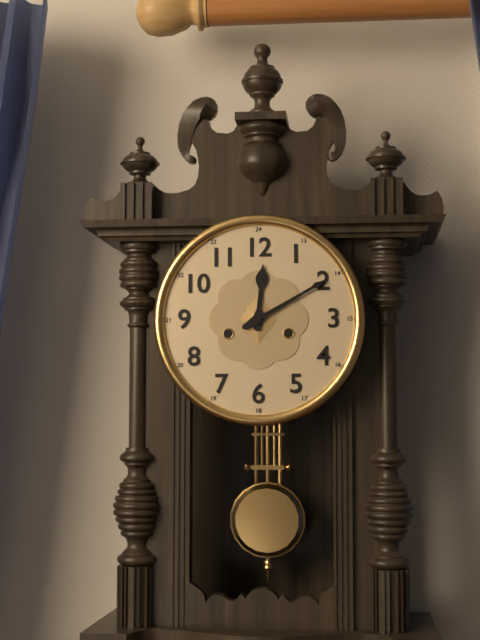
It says h=12 m=10
